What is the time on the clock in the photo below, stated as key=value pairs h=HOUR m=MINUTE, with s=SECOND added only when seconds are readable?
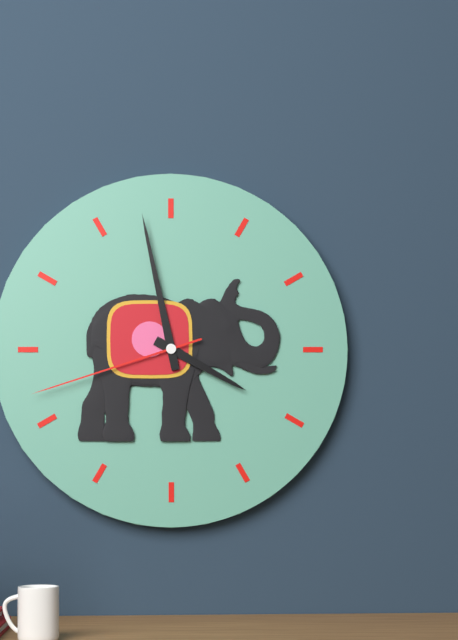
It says h=3 m=58 s=42
